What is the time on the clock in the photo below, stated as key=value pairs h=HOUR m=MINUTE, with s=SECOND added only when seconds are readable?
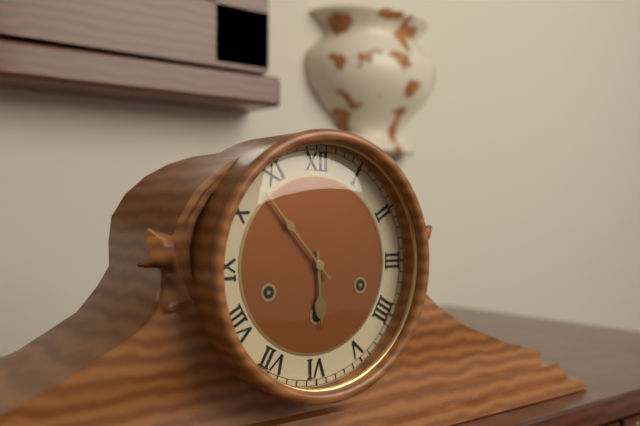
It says h=5 m=53
